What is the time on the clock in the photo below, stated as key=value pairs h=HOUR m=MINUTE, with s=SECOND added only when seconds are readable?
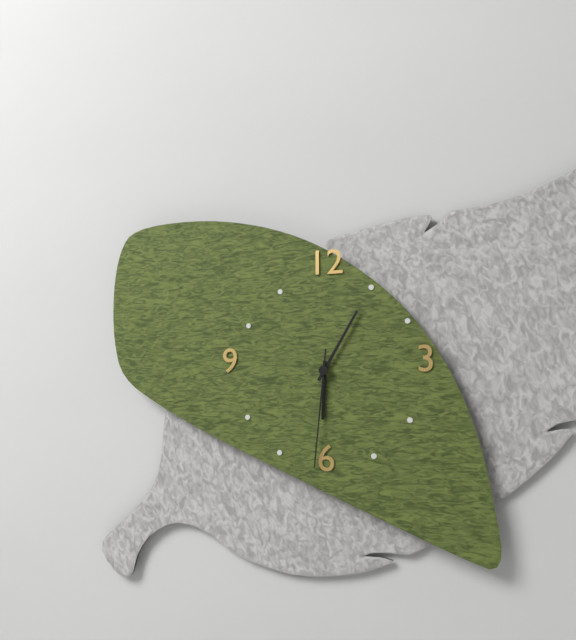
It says h=6 m=5 s=31
